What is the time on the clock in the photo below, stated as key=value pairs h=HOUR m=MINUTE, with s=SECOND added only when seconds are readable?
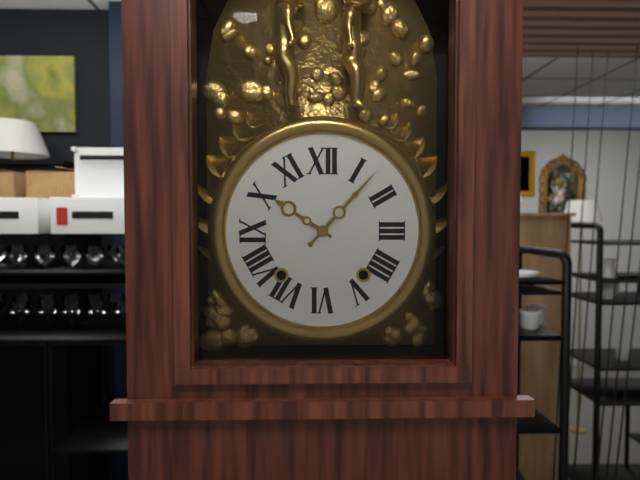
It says h=10 m=7
